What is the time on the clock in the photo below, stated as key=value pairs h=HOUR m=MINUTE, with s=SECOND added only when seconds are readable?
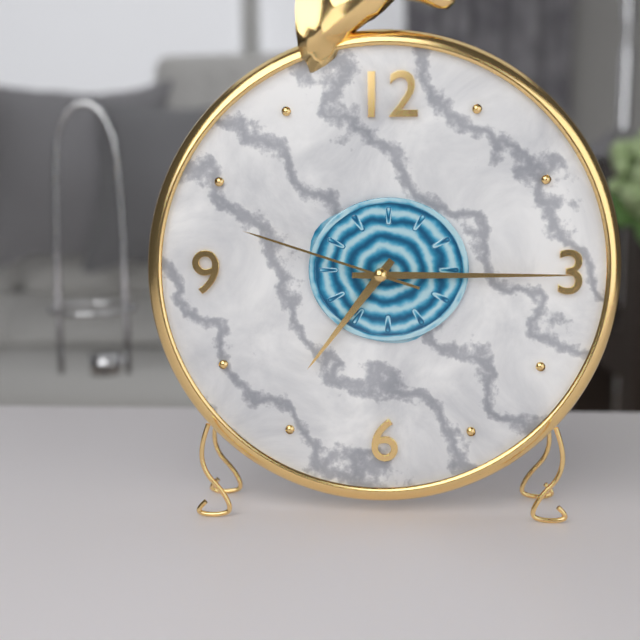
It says h=7 m=15 s=48
